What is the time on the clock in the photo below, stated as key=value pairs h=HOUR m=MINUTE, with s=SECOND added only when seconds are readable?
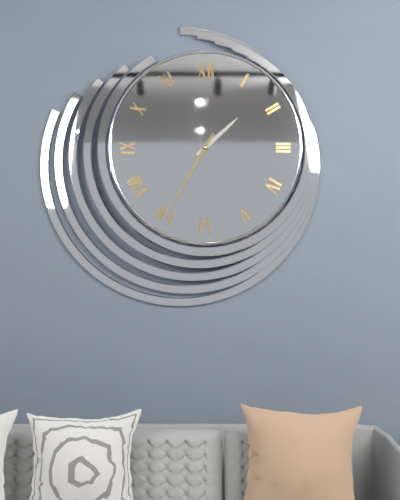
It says h=1 m=35
